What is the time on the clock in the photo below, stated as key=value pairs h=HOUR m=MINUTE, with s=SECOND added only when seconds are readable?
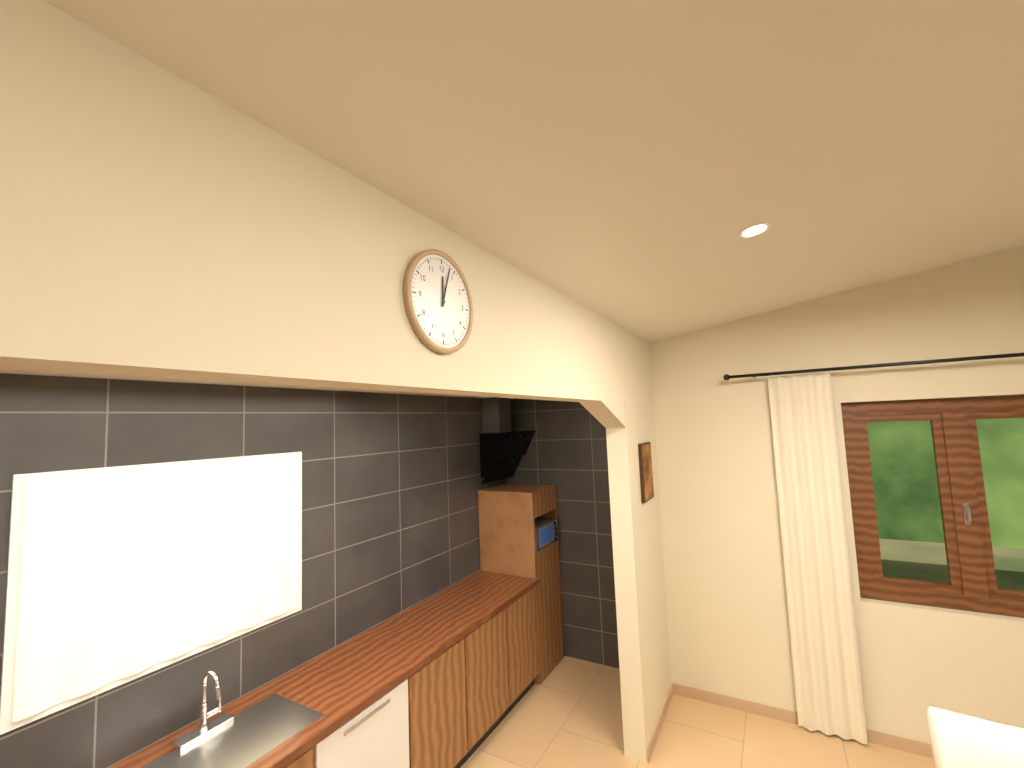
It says h=12 m=3
